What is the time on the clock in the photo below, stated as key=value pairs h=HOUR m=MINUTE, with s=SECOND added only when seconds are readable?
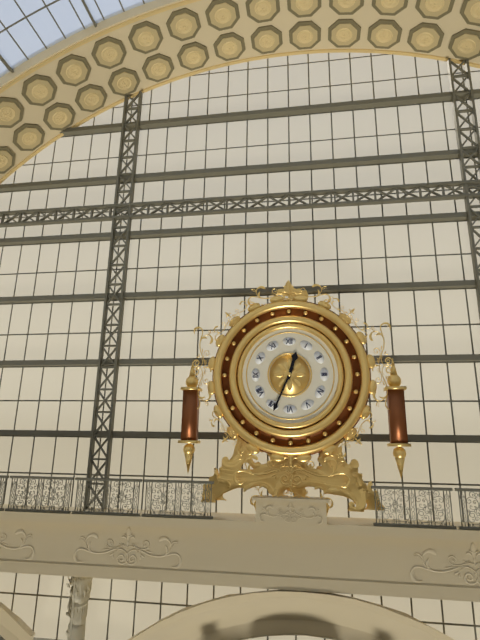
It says h=12 m=34
